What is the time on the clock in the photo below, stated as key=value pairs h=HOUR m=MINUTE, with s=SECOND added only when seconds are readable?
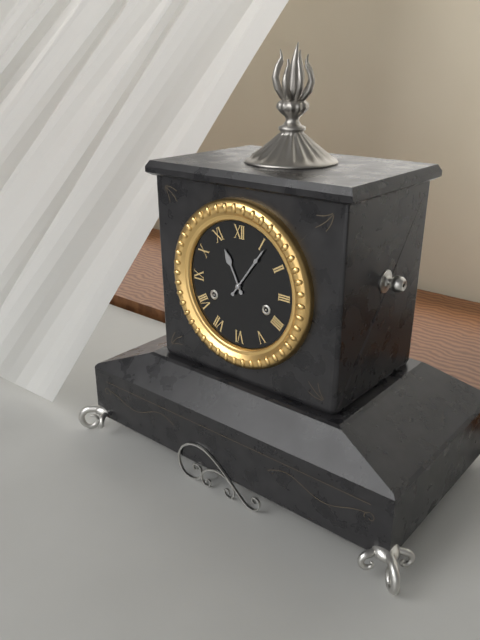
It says h=11 m=6
